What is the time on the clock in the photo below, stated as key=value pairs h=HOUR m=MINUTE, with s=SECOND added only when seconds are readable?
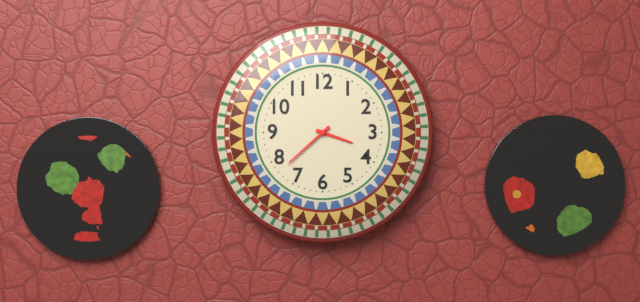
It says h=3 m=38
